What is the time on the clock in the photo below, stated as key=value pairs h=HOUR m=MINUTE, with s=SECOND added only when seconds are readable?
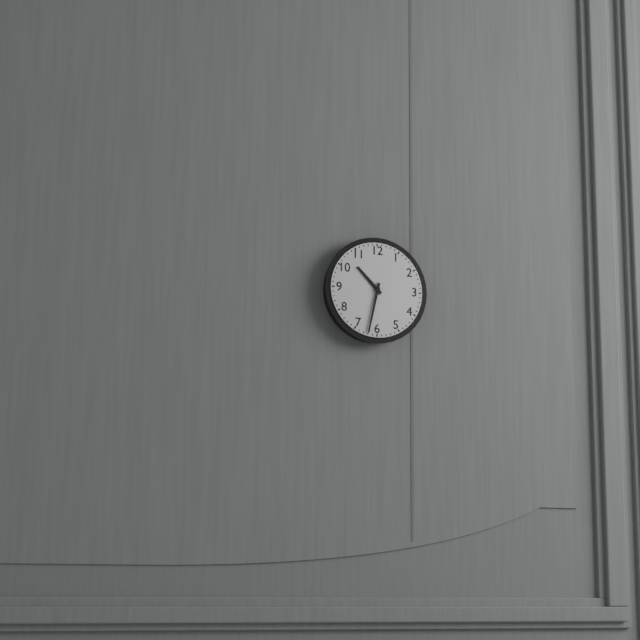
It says h=10 m=32
